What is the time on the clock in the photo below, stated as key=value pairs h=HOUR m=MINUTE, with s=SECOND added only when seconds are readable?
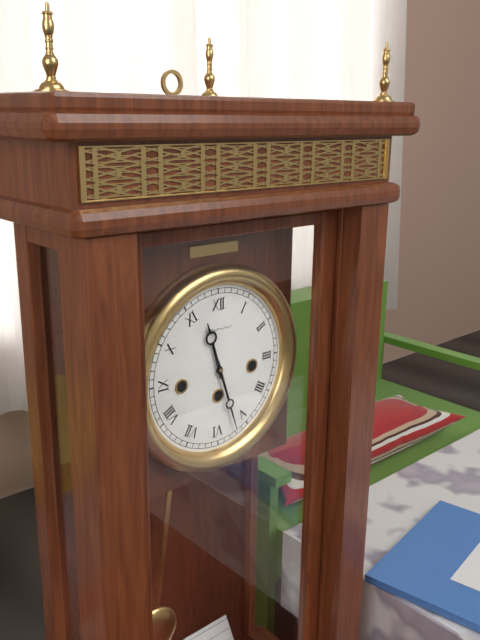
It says h=11 m=27
